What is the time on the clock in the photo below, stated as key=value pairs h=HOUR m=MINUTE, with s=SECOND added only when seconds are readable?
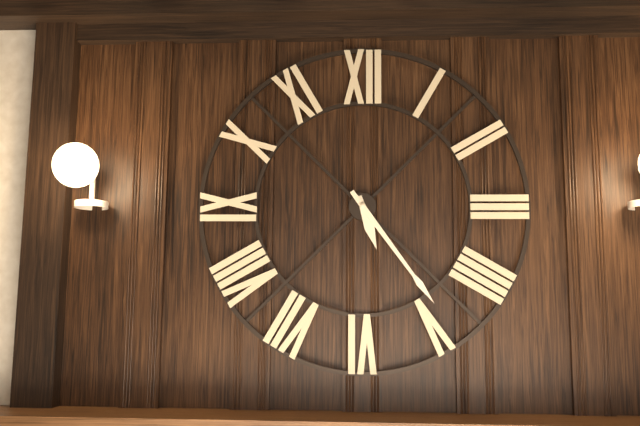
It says h=5 m=24
